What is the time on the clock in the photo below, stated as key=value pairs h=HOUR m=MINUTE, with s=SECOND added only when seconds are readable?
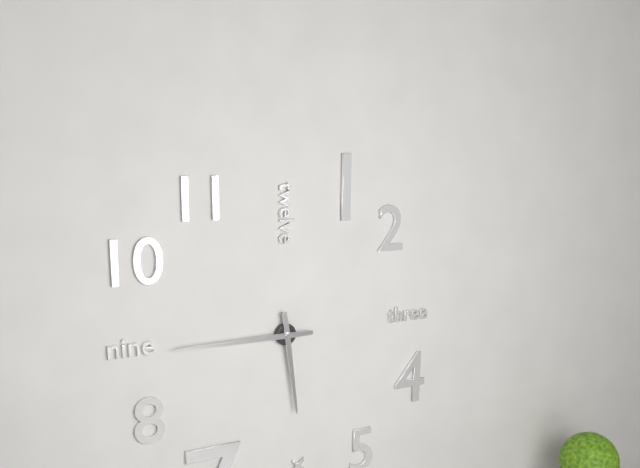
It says h=5 m=45
